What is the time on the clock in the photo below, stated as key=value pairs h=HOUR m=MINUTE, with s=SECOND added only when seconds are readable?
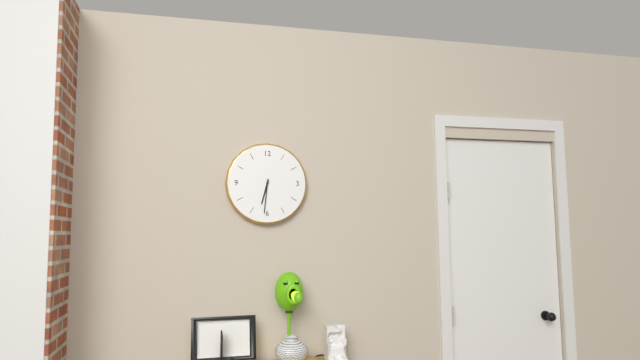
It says h=6 m=31
